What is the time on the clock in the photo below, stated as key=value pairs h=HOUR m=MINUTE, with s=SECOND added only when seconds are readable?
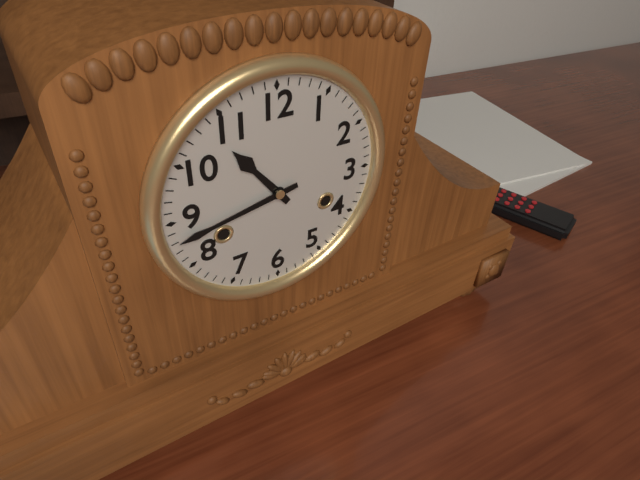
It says h=10 m=43
